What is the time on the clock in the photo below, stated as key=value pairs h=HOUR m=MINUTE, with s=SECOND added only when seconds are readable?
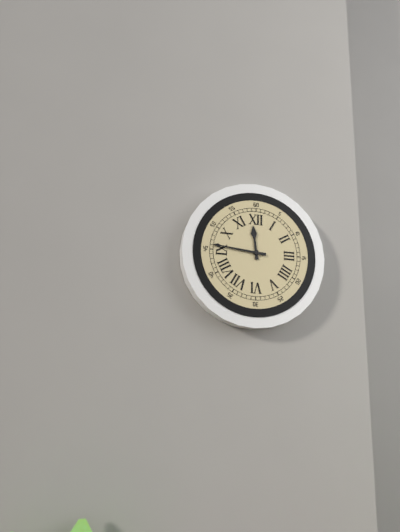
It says h=11 m=46
